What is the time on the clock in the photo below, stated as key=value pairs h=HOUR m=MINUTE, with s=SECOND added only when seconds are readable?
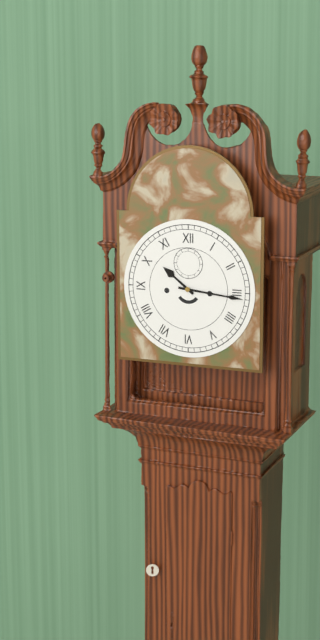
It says h=10 m=16
